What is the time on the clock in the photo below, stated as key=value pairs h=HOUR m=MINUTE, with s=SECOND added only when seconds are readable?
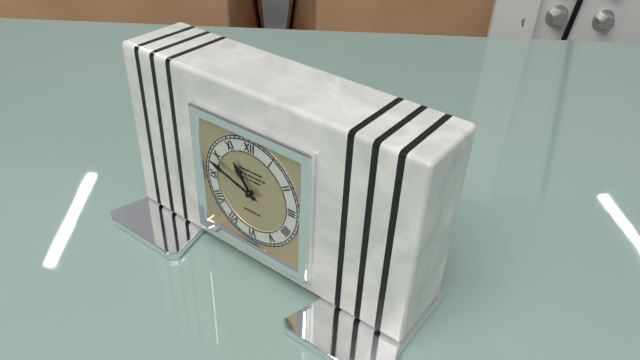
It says h=10 m=48
